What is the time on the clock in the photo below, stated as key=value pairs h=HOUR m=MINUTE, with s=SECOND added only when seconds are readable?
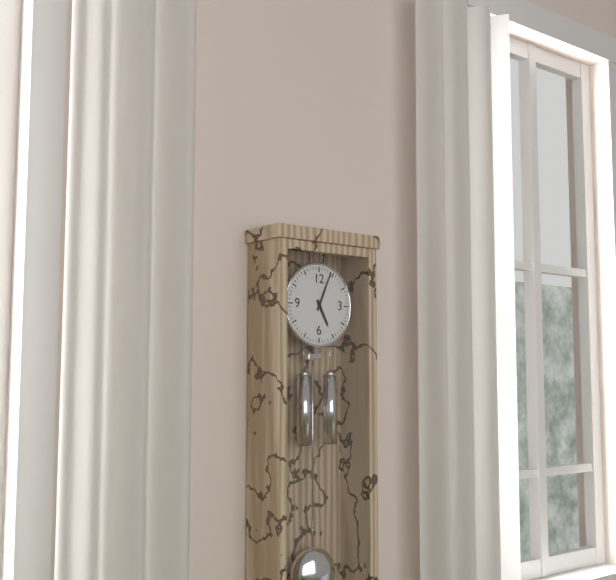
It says h=5 m=4
